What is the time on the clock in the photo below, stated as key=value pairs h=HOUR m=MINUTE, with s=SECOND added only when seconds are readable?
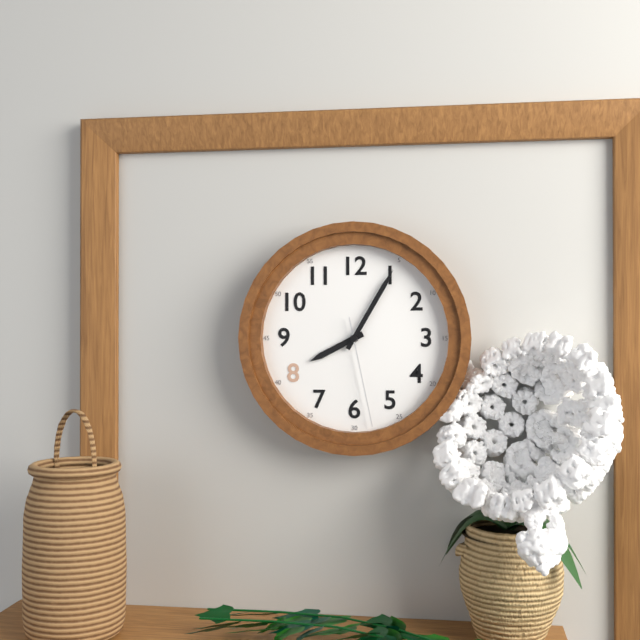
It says h=8 m=5 s=28
